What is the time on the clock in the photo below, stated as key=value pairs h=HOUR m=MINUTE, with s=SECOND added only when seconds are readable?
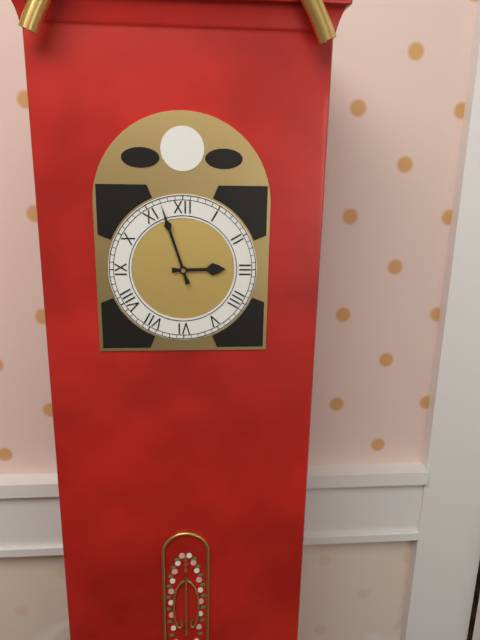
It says h=2 m=57
